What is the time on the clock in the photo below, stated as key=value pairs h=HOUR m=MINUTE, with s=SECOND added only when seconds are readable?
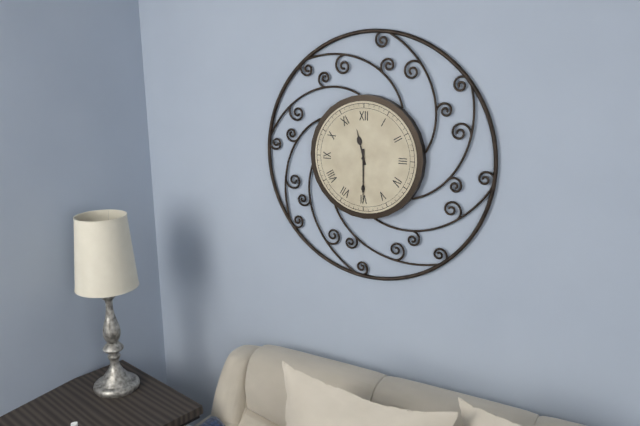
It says h=11 m=30
